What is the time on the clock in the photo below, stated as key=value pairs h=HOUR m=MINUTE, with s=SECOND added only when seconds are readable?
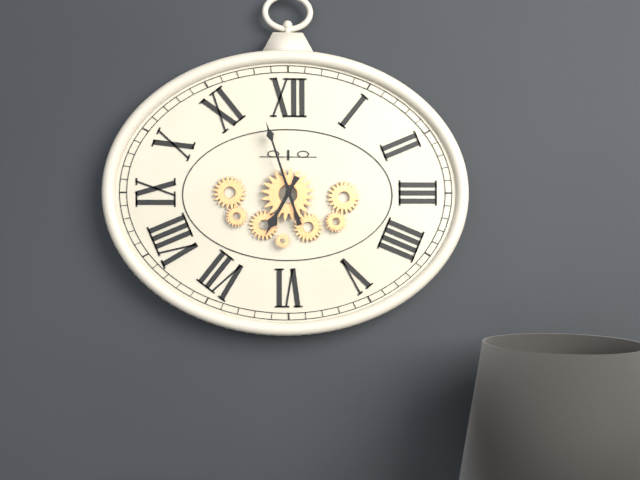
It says h=6 m=57
